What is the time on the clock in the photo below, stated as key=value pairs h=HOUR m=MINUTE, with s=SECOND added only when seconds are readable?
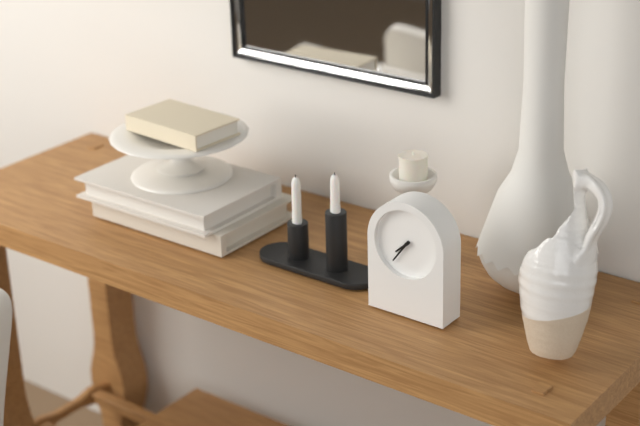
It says h=7 m=36
